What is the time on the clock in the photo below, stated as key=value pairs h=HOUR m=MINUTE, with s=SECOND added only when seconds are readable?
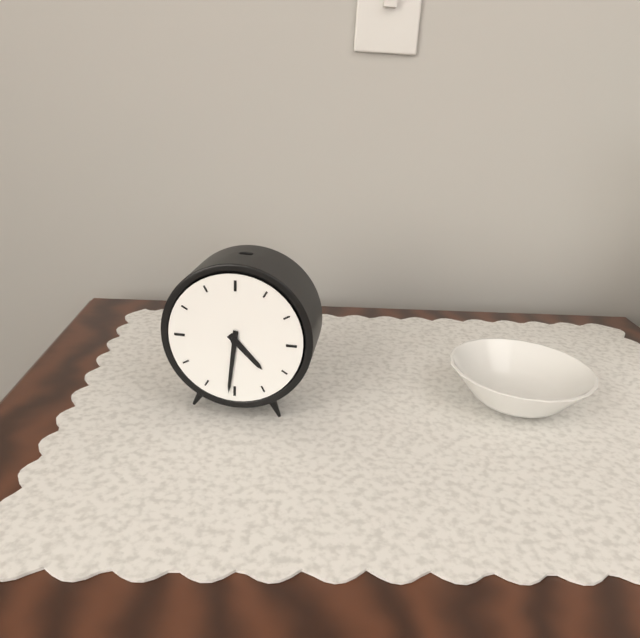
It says h=4 m=31
